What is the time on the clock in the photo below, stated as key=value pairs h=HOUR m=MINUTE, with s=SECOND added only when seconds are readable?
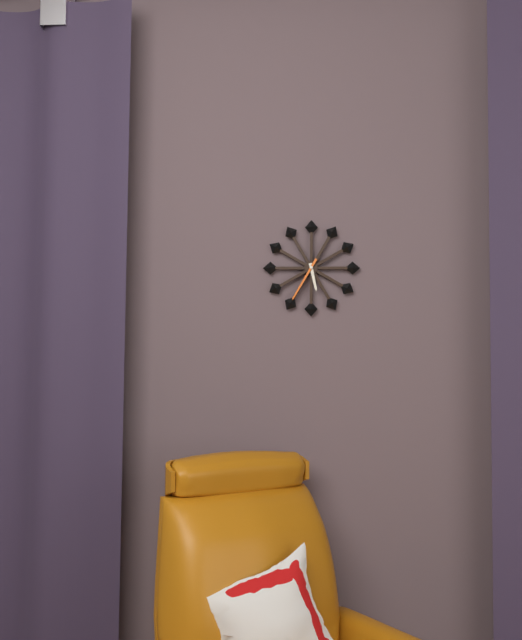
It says h=5 m=35
